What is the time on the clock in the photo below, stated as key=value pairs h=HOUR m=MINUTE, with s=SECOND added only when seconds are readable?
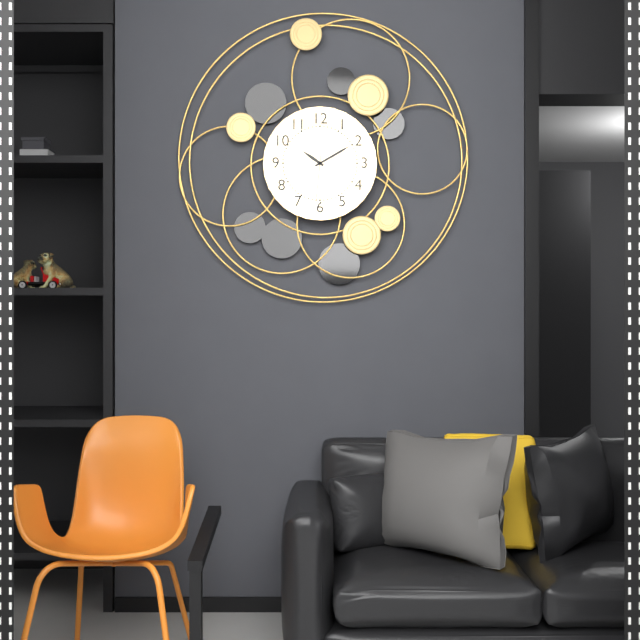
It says h=10 m=10
